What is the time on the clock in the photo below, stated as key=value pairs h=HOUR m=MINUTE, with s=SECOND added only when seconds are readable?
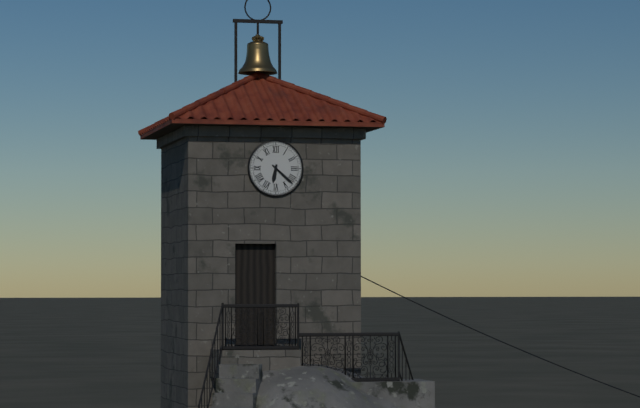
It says h=6 m=22
